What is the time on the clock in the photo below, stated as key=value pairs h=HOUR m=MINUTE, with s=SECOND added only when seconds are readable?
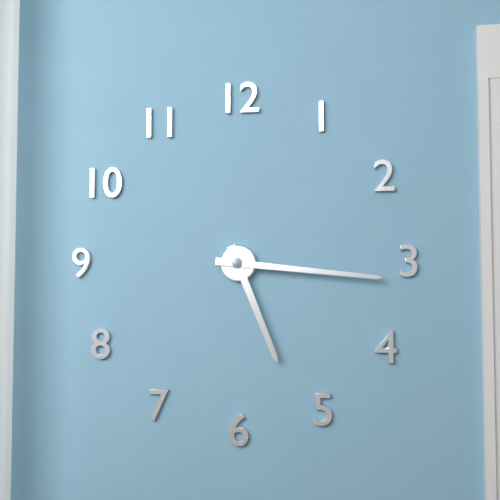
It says h=5 m=16
